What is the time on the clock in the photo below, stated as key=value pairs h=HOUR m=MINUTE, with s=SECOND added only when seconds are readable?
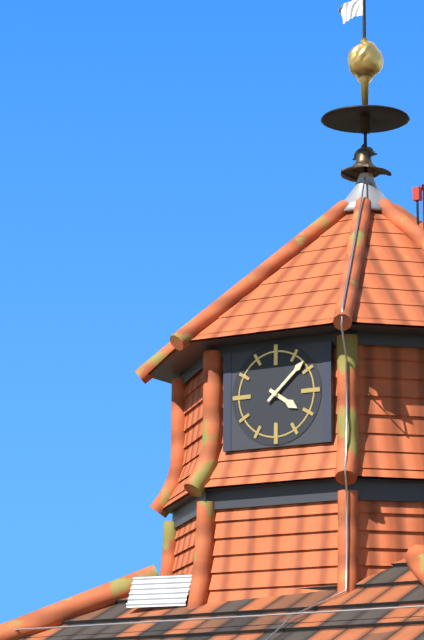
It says h=4 m=8
